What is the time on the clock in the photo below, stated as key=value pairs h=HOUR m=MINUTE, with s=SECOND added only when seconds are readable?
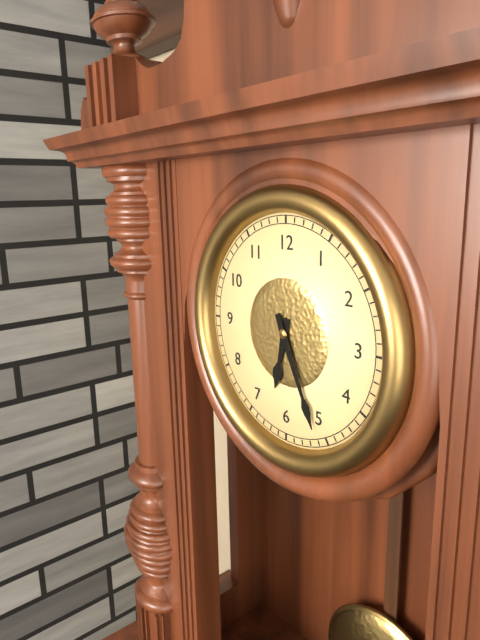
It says h=6 m=26
